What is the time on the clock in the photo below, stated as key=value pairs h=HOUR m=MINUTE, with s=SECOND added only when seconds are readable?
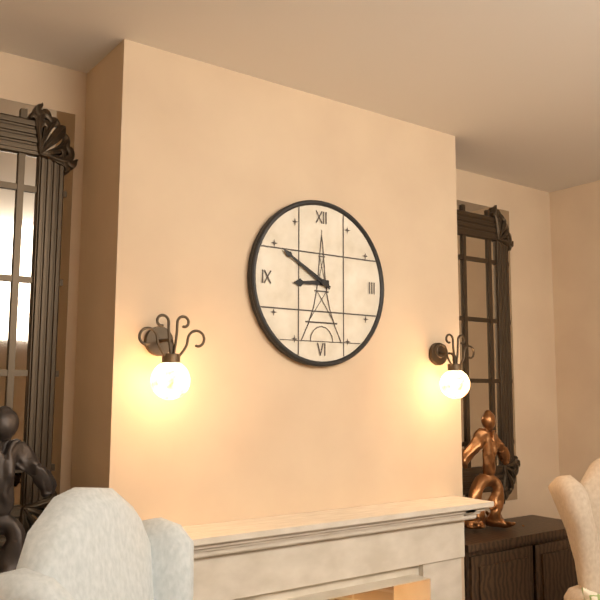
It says h=8 m=50
